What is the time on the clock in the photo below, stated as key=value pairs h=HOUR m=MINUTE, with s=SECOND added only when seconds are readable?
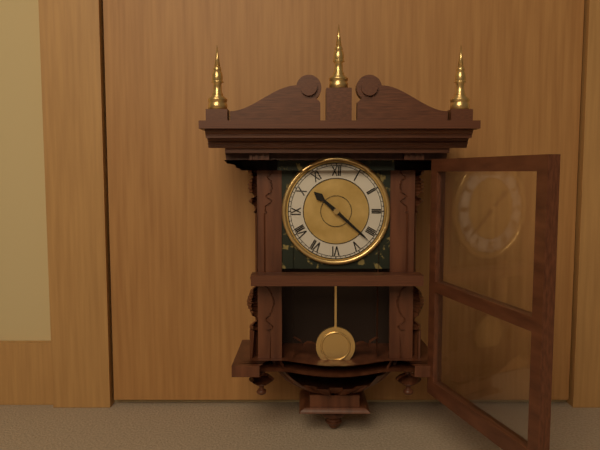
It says h=10 m=22
